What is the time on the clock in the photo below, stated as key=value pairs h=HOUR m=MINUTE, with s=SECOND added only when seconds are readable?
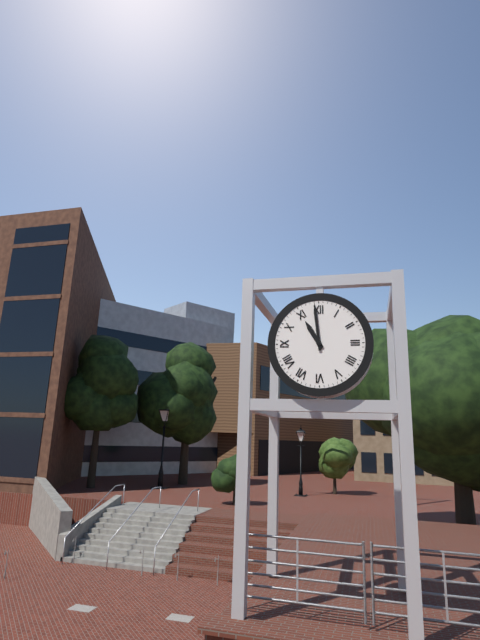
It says h=10 m=59
